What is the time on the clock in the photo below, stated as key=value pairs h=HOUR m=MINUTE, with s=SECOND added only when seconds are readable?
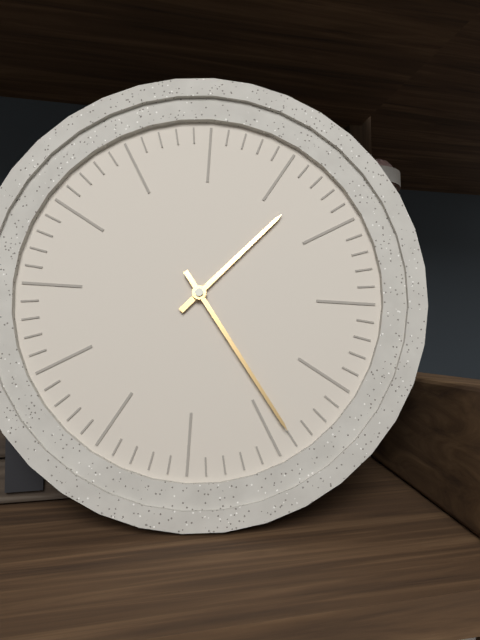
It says h=1 m=24
